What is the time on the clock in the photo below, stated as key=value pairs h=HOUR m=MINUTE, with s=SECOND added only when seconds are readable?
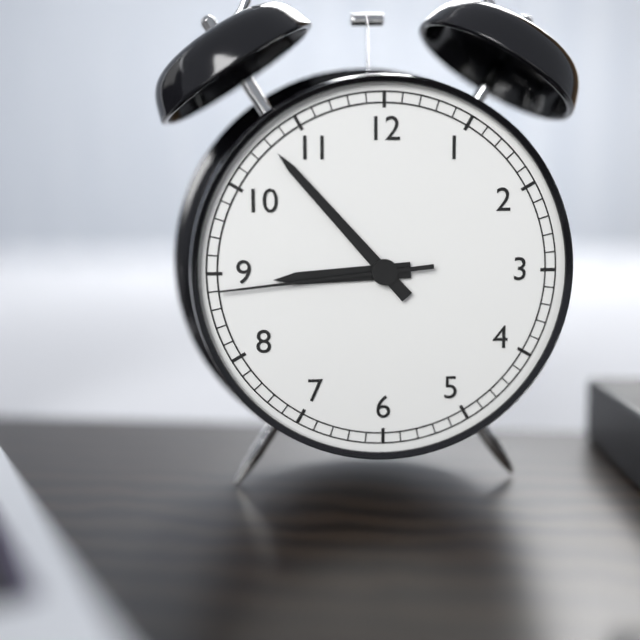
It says h=8 m=53 s=44
